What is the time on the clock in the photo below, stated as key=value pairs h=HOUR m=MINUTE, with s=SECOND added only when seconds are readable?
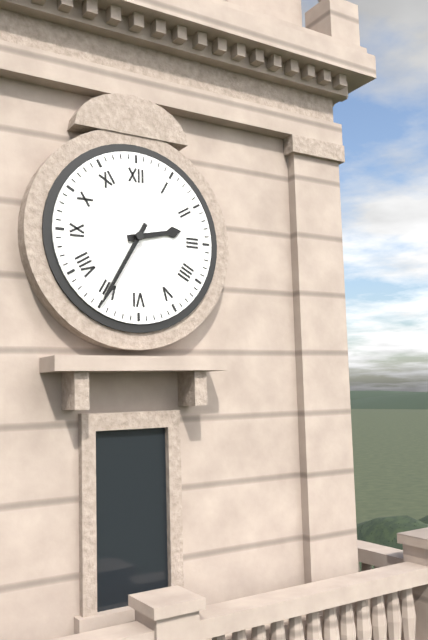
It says h=2 m=35
